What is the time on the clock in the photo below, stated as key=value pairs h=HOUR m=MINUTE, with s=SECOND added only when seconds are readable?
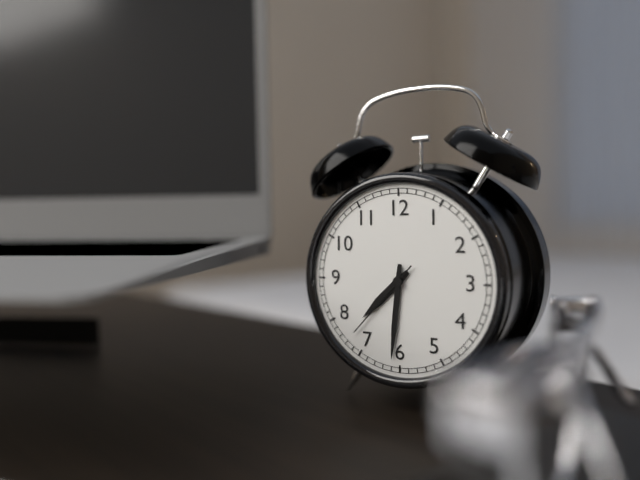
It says h=7 m=31 s=37
